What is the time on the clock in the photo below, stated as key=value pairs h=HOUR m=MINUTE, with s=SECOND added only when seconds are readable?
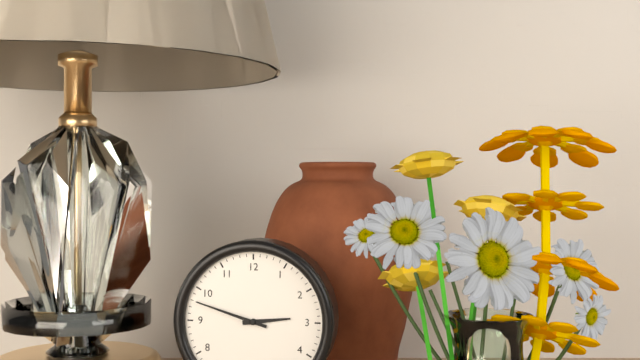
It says h=2 m=48
